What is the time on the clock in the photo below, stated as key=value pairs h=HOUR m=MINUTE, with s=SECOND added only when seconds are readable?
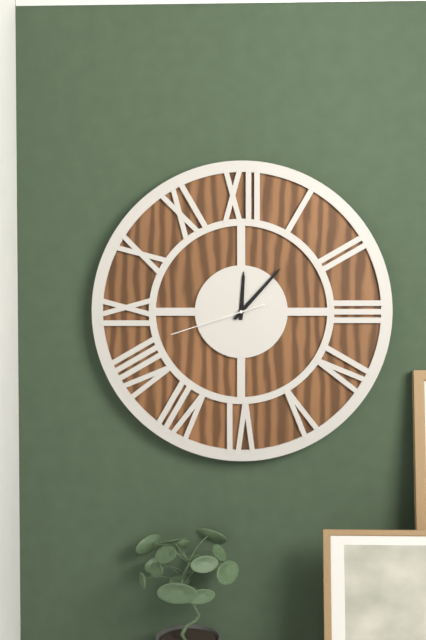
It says h=12 m=7 s=42
